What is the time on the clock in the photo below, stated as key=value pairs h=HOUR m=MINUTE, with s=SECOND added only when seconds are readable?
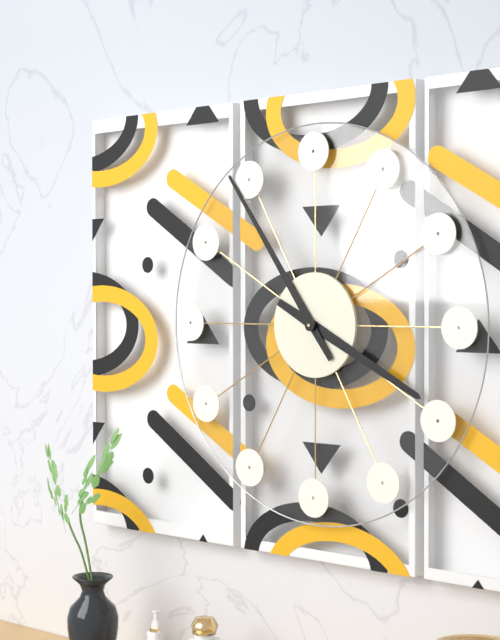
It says h=3 m=54
